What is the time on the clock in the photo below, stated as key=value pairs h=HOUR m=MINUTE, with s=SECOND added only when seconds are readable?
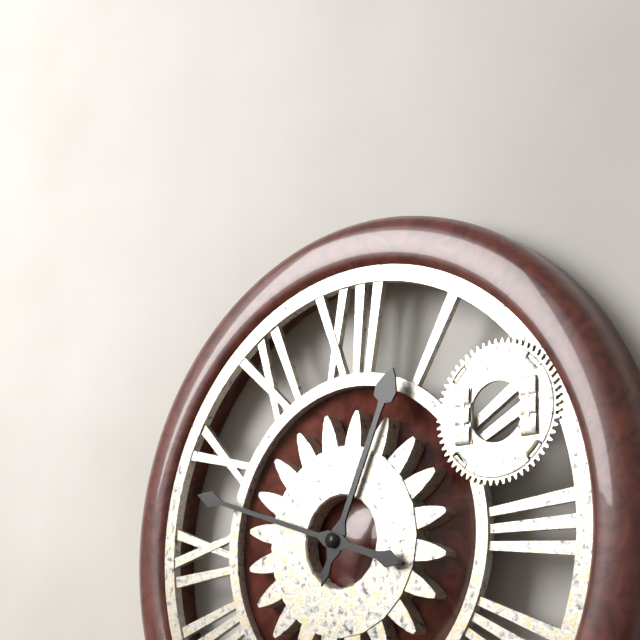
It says h=12 m=48
